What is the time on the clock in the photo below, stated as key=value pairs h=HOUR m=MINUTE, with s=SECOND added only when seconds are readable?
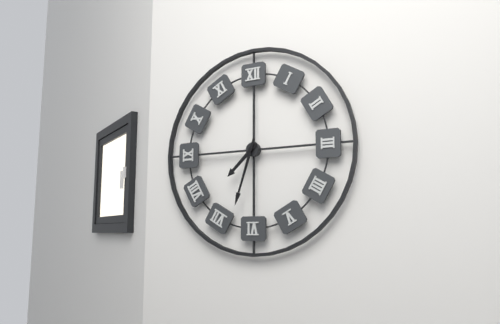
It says h=7 m=33
